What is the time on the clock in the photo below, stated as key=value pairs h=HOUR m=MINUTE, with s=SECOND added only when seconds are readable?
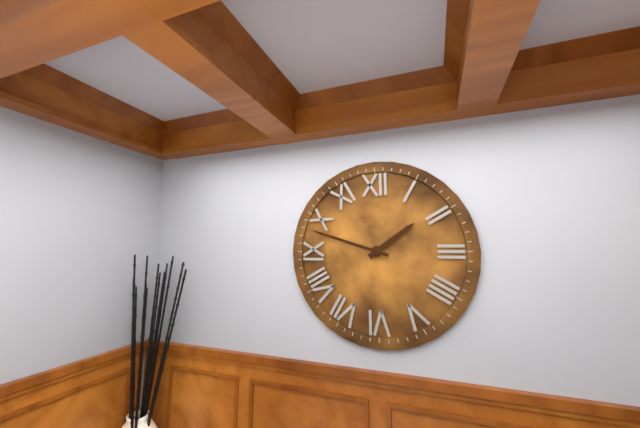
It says h=1 m=48
